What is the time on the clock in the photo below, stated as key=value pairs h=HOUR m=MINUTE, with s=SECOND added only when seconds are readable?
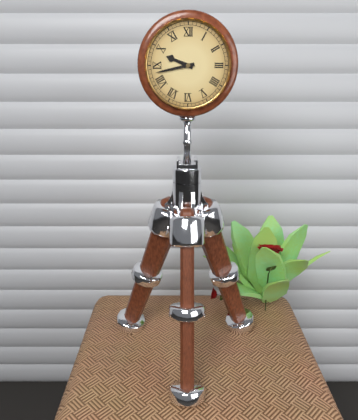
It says h=9 m=43
